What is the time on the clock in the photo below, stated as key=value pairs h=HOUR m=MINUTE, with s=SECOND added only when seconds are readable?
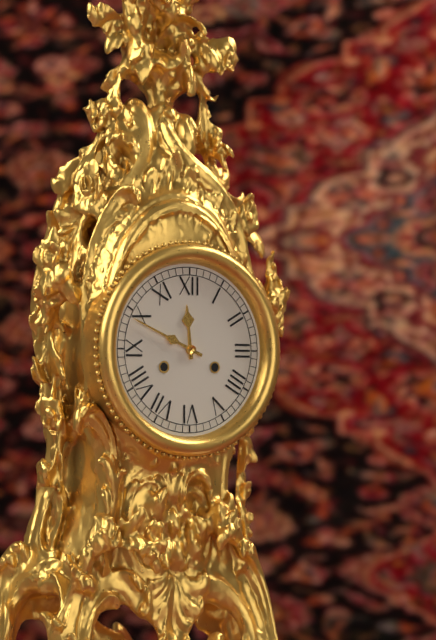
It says h=11 m=49
